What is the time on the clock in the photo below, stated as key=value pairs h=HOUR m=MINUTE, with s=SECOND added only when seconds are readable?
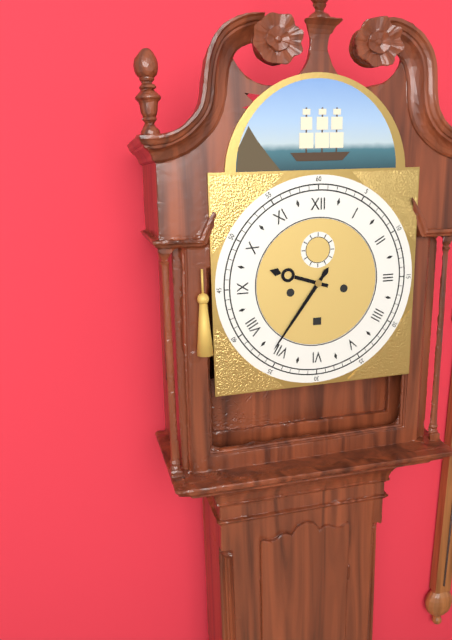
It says h=9 m=36
